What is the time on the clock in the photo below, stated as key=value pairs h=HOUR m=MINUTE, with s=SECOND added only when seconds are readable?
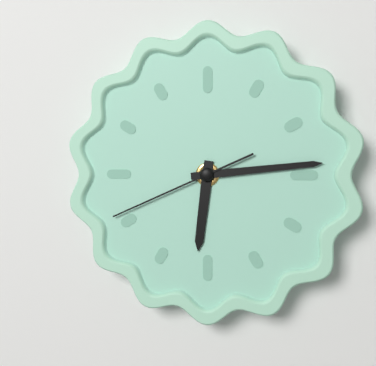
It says h=6 m=14 s=41
